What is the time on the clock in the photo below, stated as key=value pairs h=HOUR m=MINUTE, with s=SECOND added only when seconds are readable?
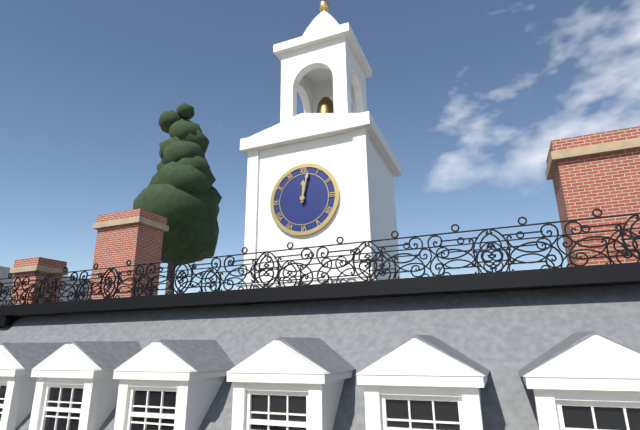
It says h=12 m=2
